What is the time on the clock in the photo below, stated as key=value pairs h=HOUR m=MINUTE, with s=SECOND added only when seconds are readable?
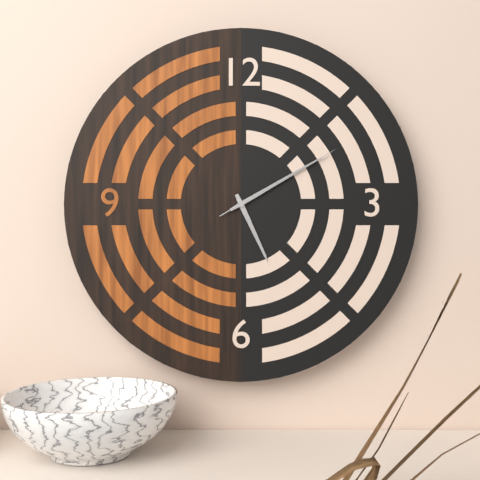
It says h=5 m=10 s=10
